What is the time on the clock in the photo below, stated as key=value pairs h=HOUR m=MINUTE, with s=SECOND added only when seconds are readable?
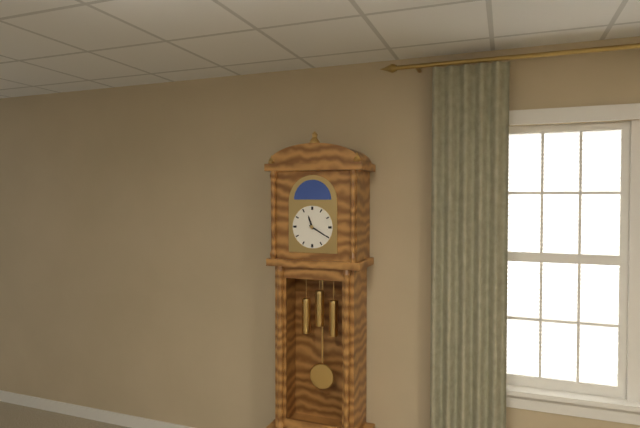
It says h=11 m=20
